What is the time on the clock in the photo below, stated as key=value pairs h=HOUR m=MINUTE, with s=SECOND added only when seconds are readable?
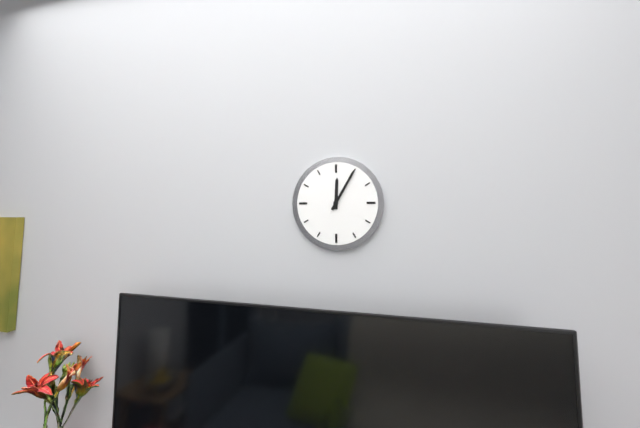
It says h=12 m=5
